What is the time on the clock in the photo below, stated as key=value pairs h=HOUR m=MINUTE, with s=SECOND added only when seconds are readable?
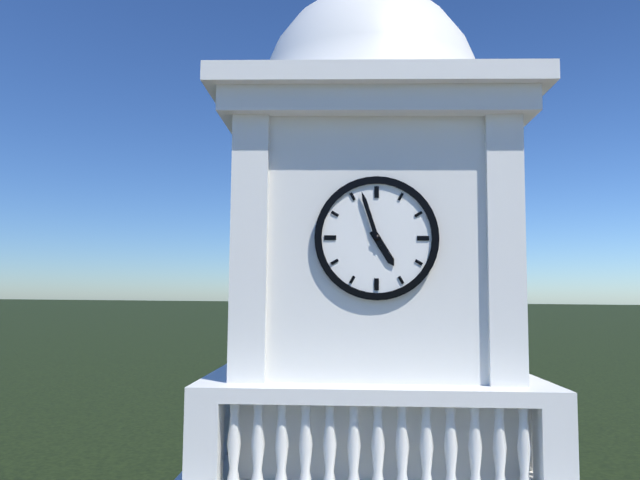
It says h=4 m=57
